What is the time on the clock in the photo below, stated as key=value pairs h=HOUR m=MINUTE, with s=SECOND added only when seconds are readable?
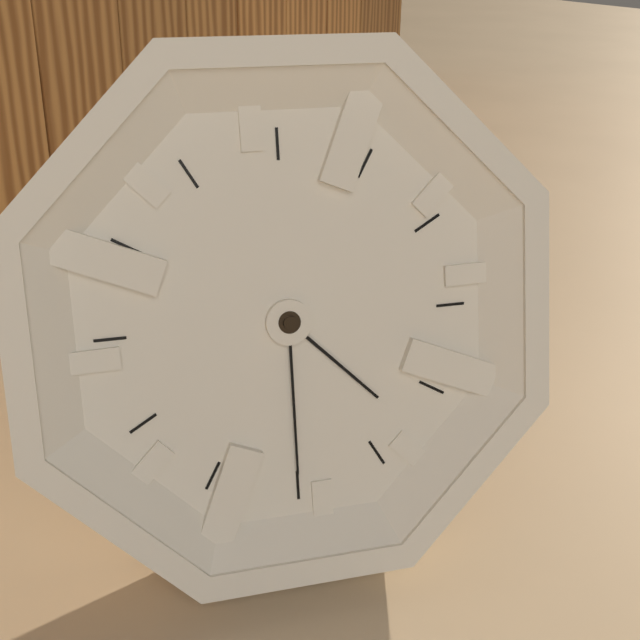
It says h=4 m=30
